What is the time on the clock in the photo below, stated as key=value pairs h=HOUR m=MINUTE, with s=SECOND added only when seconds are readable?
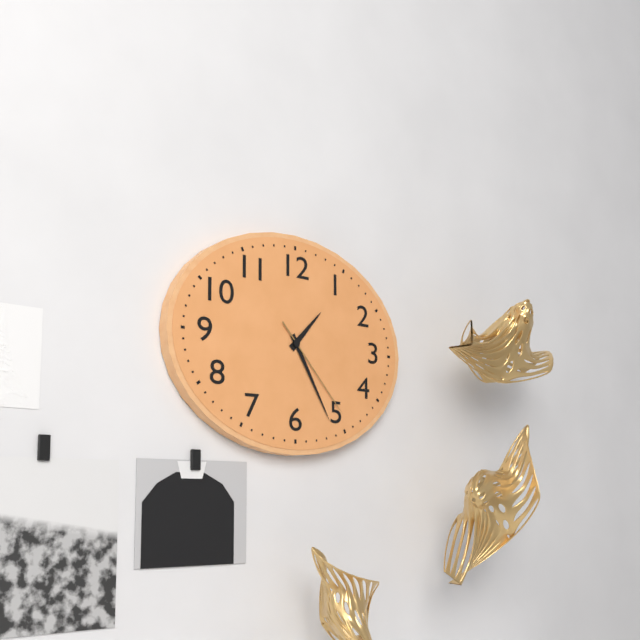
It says h=1 m=25 s=23
